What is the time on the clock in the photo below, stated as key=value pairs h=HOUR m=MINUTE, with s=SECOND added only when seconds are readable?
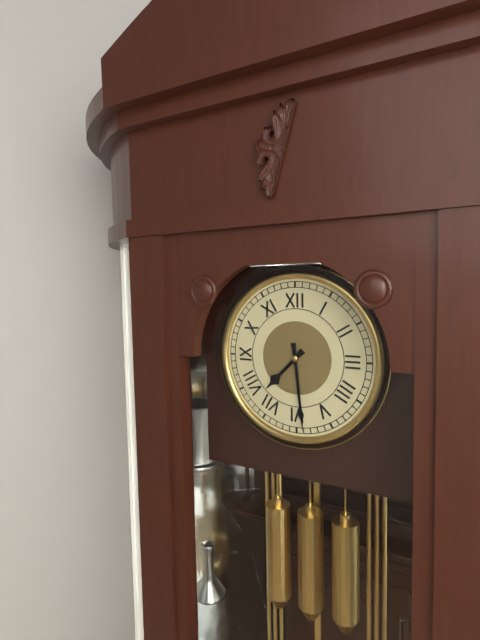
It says h=7 m=29
